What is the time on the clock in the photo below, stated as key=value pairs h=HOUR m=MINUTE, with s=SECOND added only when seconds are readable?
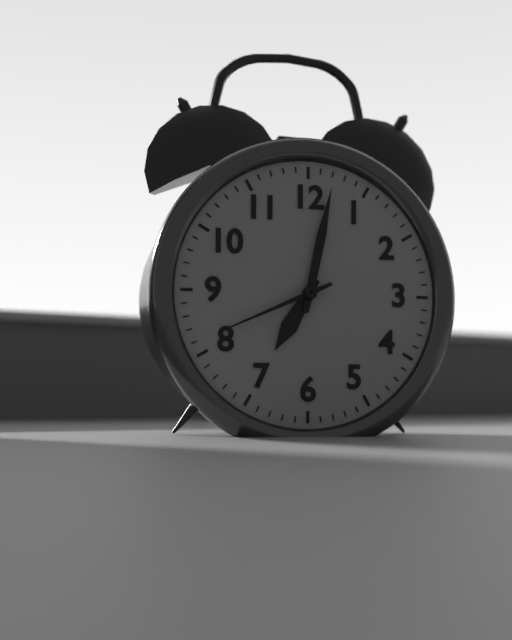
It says h=7 m=2 s=41
